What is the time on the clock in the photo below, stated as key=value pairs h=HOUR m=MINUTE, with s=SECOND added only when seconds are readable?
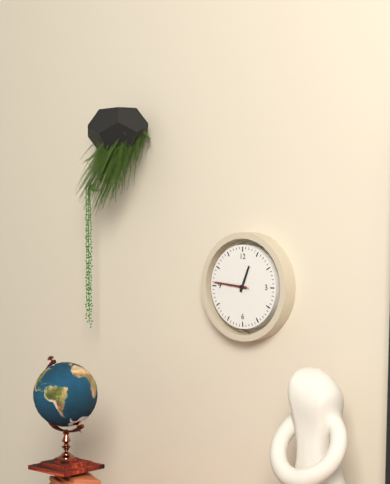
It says h=12 m=46
